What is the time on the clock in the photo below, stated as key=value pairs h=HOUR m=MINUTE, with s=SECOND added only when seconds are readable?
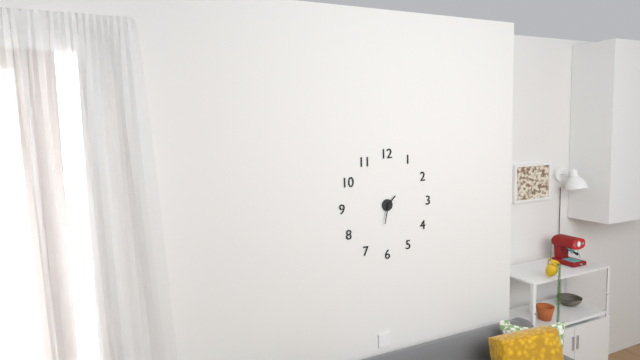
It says h=1 m=32
